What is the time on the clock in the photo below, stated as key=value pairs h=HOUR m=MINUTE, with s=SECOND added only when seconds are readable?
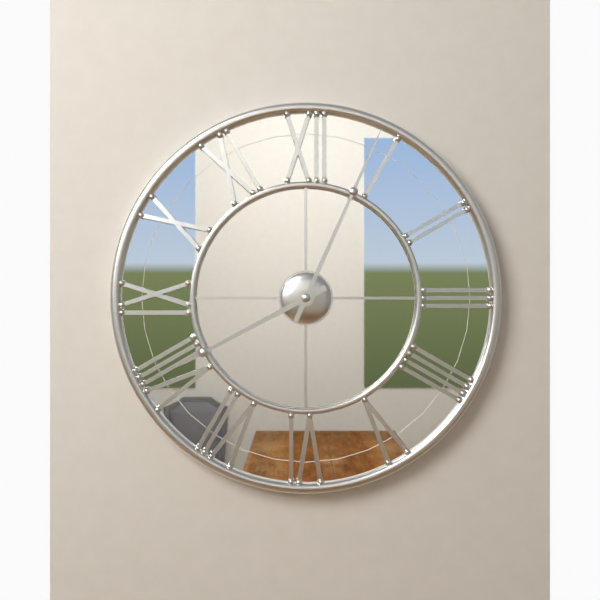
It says h=8 m=4
